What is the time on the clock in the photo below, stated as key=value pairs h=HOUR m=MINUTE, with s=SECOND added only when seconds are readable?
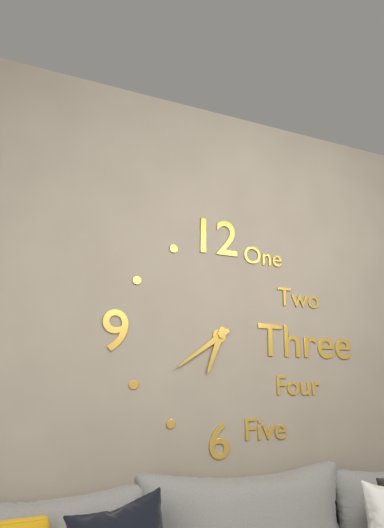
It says h=6 m=39
